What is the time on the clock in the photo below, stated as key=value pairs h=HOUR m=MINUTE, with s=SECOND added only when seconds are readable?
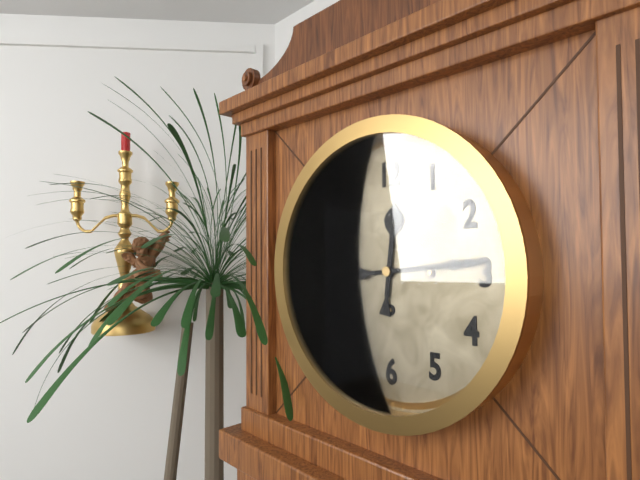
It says h=12 m=14
